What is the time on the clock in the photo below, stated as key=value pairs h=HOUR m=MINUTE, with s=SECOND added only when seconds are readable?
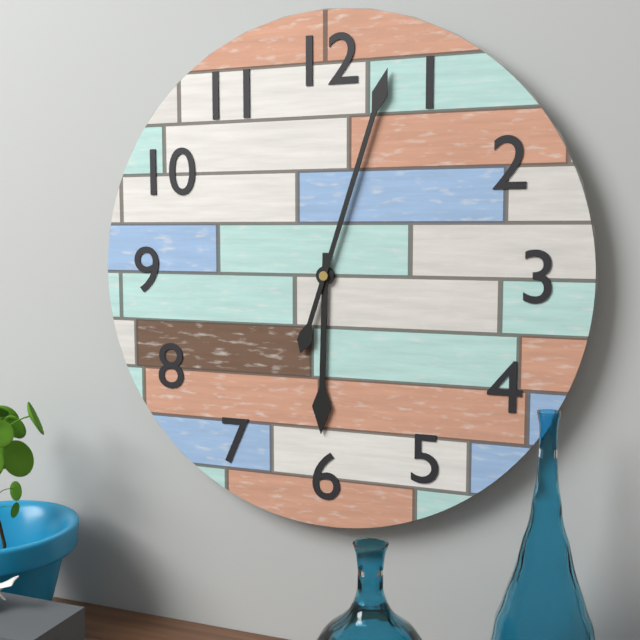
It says h=6 m=3
